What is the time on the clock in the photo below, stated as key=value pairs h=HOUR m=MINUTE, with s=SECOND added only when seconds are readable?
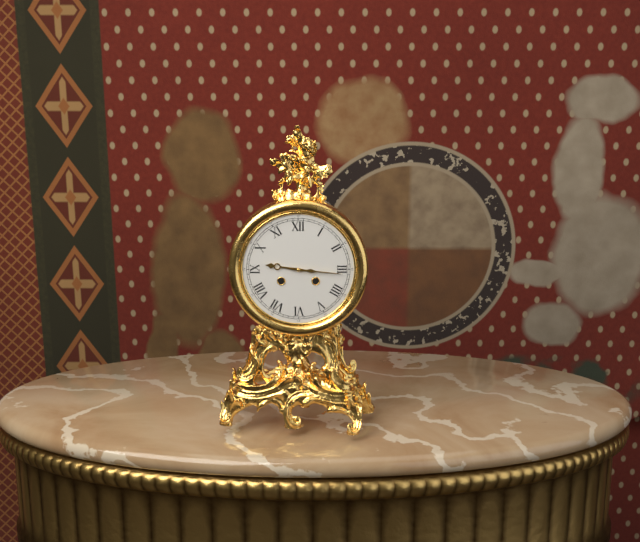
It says h=9 m=16
